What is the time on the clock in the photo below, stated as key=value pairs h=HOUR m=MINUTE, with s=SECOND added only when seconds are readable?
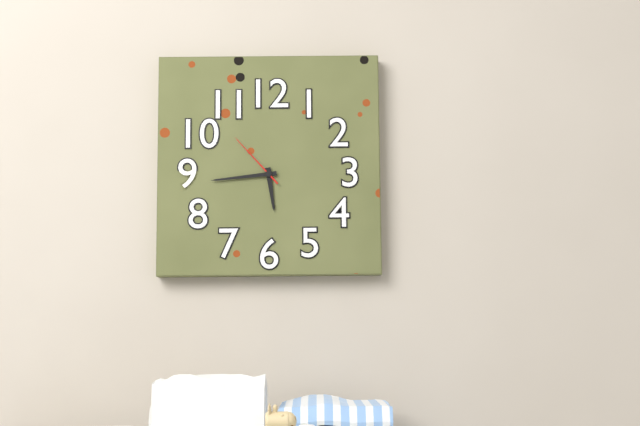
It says h=5 m=44 s=53
